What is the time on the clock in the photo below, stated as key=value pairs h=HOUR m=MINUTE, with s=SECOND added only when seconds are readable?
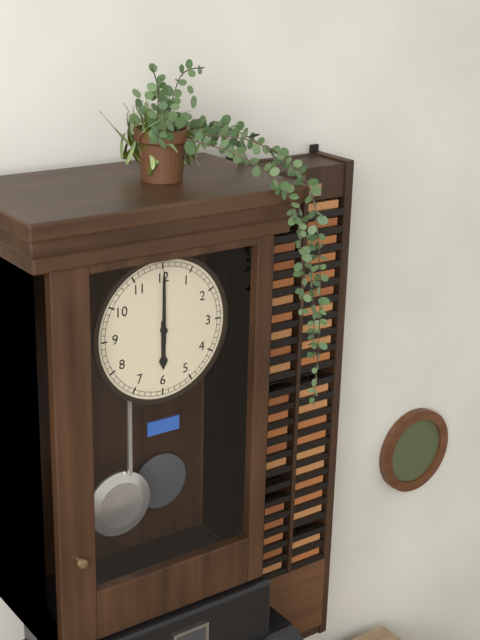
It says h=6 m=0
